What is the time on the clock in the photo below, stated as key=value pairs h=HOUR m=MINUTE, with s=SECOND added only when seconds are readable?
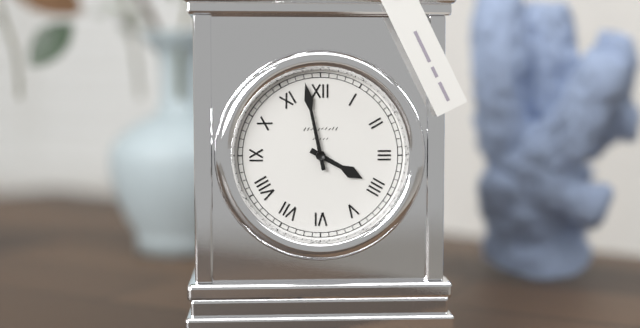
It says h=3 m=58
